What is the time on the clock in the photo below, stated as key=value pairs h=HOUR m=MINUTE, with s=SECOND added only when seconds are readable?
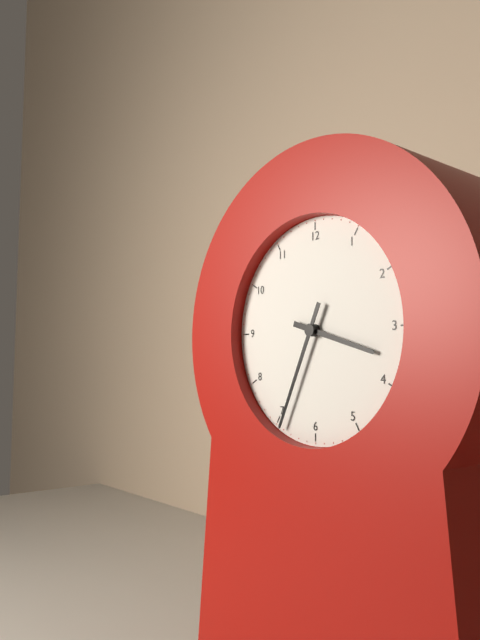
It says h=3 m=34
